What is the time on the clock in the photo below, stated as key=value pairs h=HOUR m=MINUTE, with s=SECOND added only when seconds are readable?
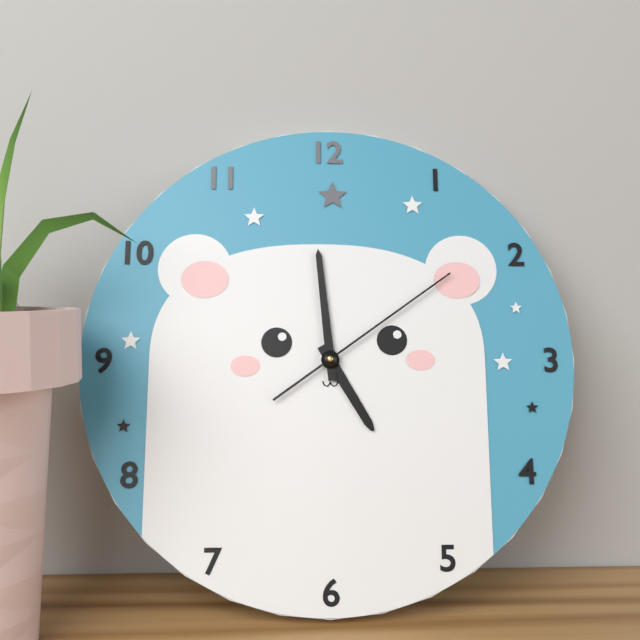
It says h=4 m=59 s=9
